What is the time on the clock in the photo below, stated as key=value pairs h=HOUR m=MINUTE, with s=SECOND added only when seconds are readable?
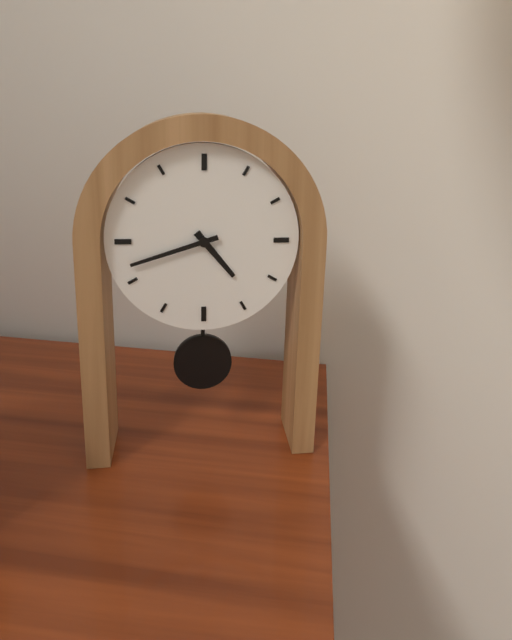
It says h=4 m=42
